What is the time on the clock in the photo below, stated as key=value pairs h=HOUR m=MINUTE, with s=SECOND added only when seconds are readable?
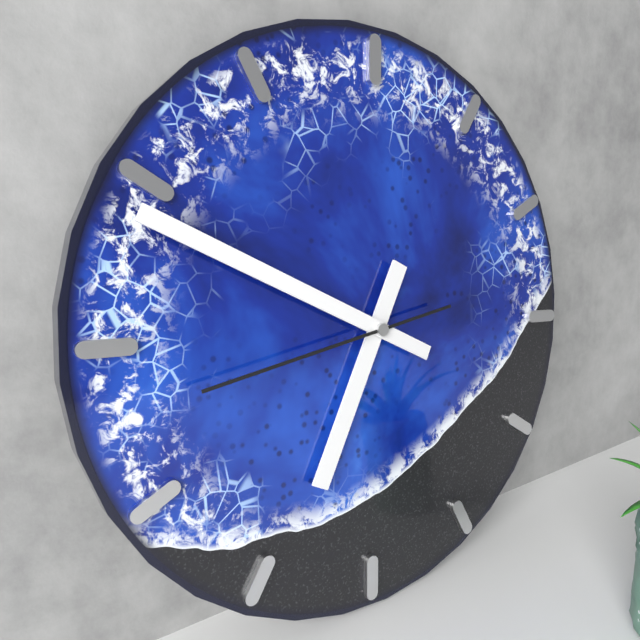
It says h=6 m=49 s=43
